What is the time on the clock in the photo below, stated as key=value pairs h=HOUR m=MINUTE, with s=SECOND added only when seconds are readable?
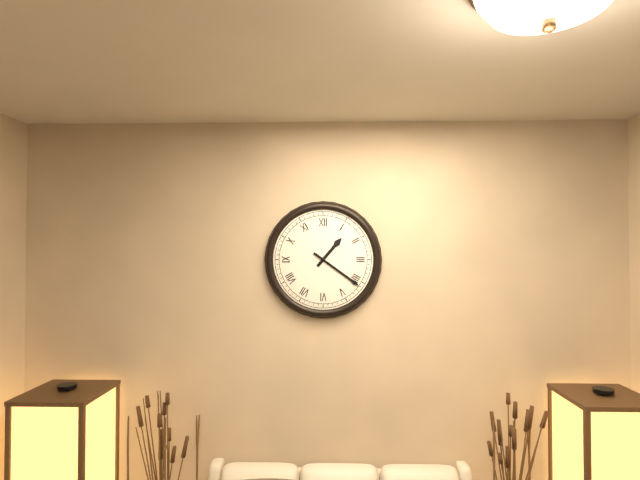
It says h=1 m=21
